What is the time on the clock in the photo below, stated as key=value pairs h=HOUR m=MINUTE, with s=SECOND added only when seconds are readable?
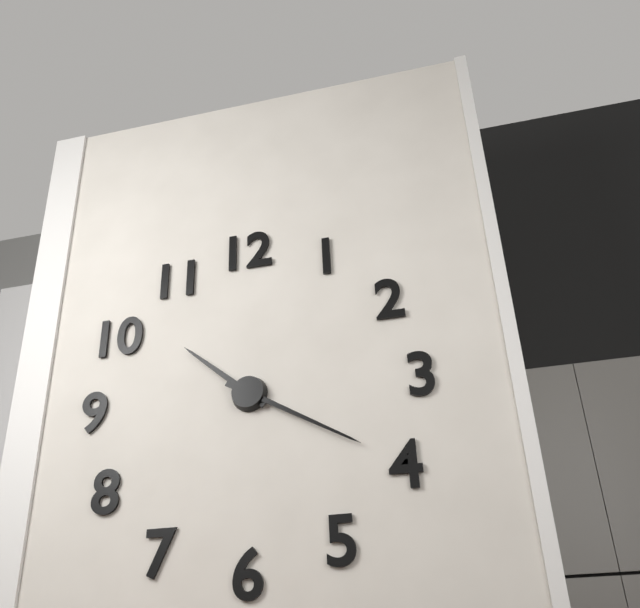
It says h=10 m=20
